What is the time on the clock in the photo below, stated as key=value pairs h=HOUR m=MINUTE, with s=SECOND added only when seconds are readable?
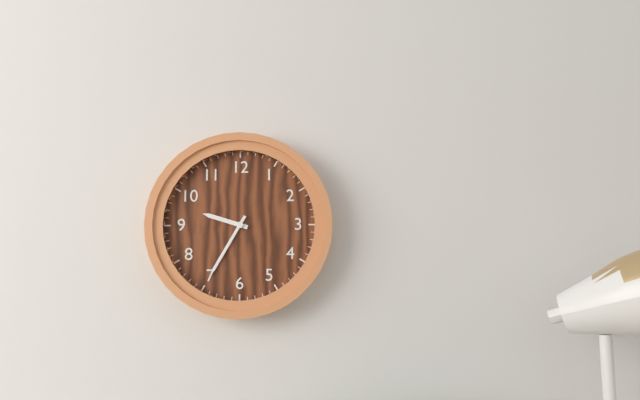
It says h=9 m=35
